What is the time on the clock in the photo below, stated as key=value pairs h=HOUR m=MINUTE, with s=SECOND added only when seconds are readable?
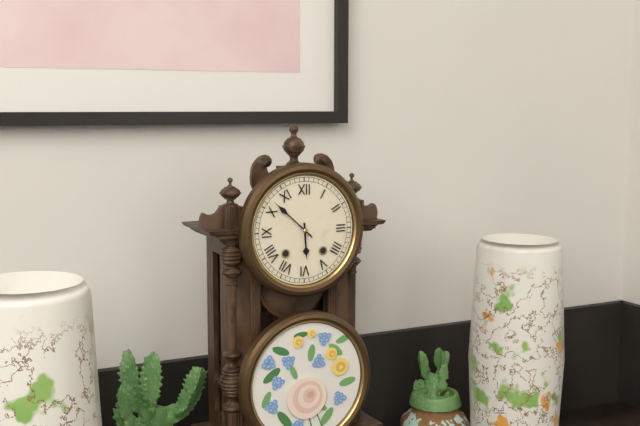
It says h=5 m=52
